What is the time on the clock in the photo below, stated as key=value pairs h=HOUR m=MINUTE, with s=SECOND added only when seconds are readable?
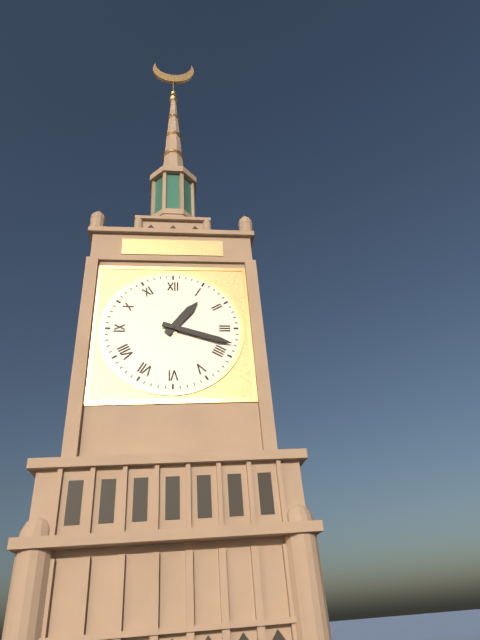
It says h=1 m=18
